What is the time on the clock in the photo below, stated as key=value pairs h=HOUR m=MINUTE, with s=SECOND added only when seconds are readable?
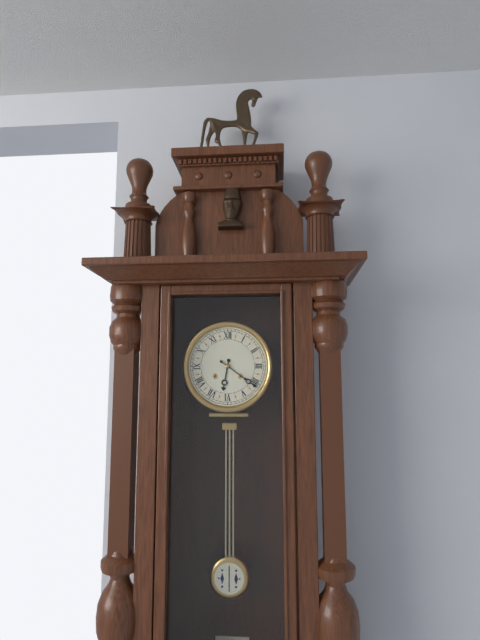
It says h=6 m=21
